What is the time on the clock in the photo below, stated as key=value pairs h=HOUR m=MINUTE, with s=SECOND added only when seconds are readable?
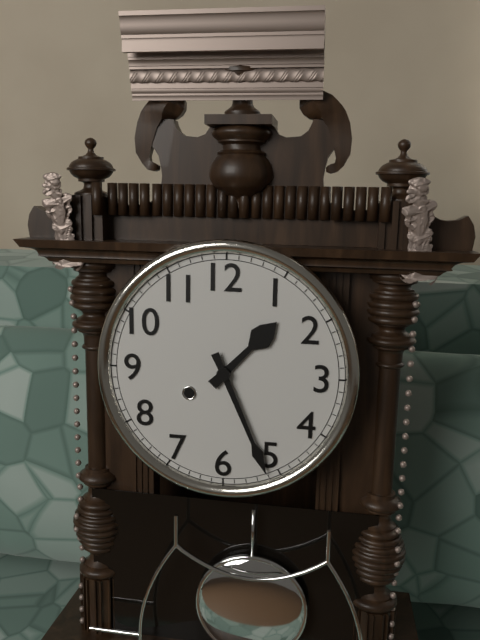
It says h=1 m=26
